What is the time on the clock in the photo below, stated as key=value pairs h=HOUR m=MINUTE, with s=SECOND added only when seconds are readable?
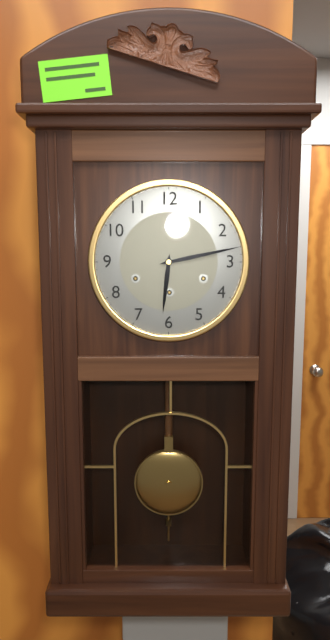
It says h=6 m=13
